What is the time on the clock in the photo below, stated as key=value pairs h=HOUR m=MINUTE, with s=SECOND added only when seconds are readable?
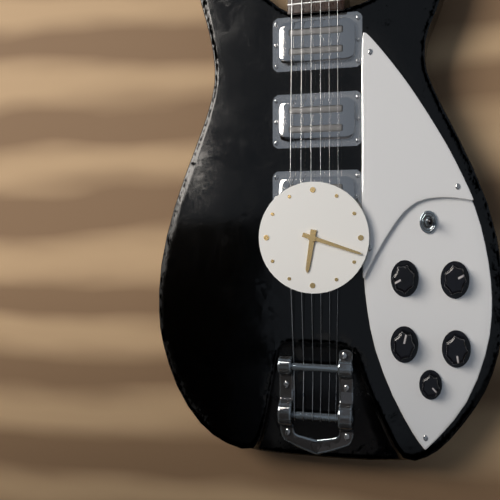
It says h=6 m=18
